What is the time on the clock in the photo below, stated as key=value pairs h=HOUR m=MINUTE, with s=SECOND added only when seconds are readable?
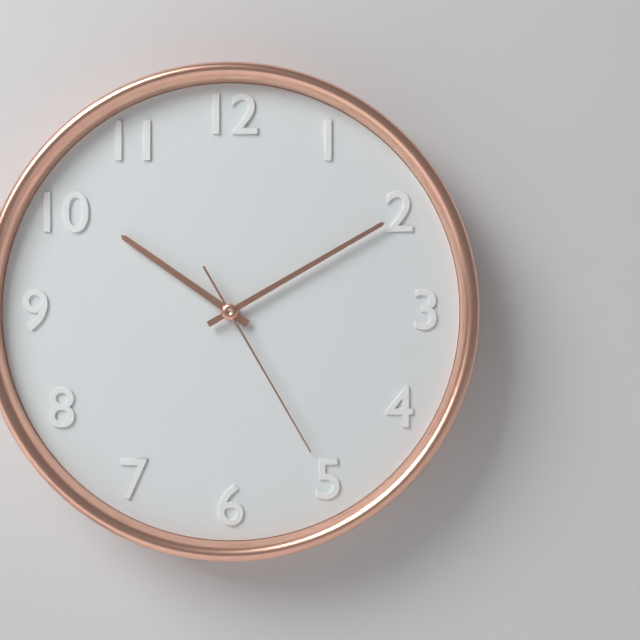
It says h=10 m=10 s=25
